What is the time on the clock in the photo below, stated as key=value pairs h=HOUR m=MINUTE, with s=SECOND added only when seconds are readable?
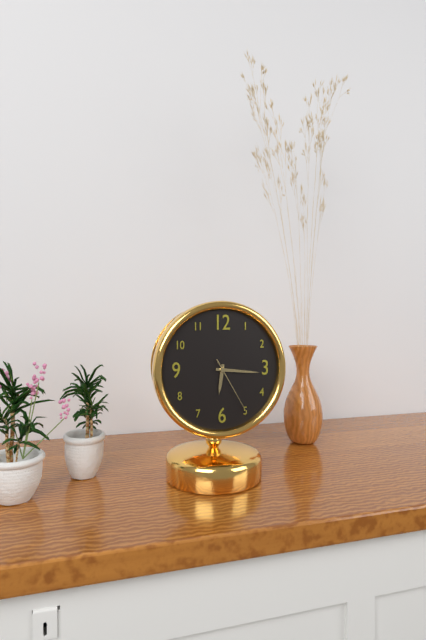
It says h=6 m=16 s=25
